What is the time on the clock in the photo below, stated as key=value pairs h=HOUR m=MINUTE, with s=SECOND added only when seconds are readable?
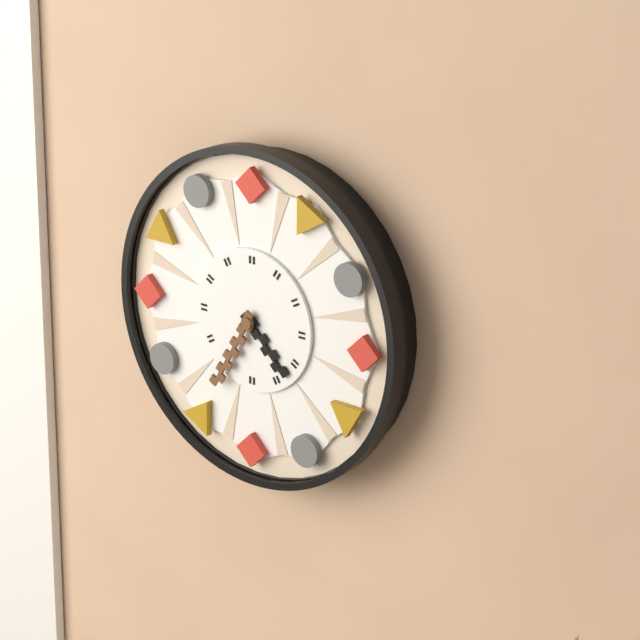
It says h=4 m=35
